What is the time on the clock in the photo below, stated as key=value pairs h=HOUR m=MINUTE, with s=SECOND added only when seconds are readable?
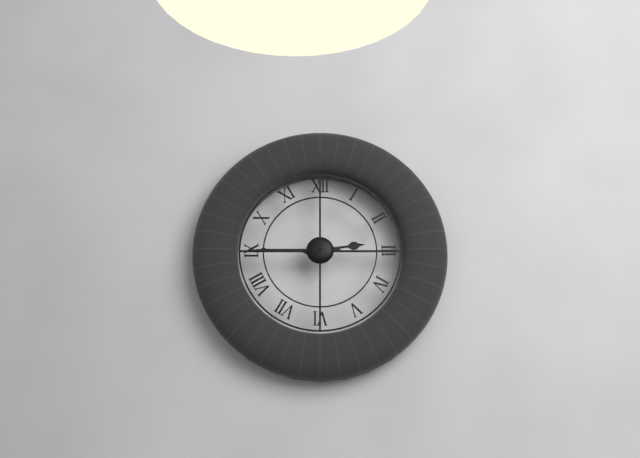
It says h=2 m=45
